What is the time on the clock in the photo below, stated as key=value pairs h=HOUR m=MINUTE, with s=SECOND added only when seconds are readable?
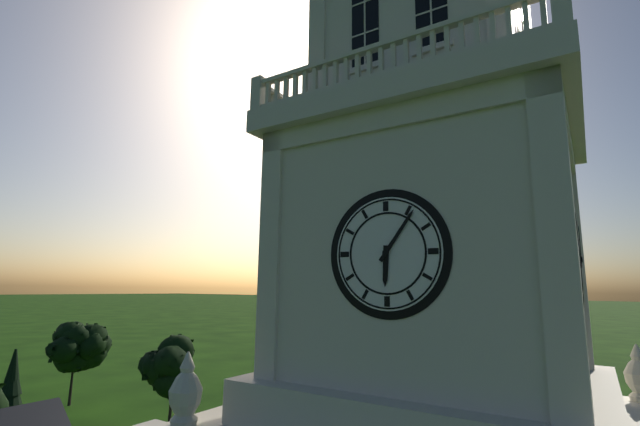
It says h=6 m=6
